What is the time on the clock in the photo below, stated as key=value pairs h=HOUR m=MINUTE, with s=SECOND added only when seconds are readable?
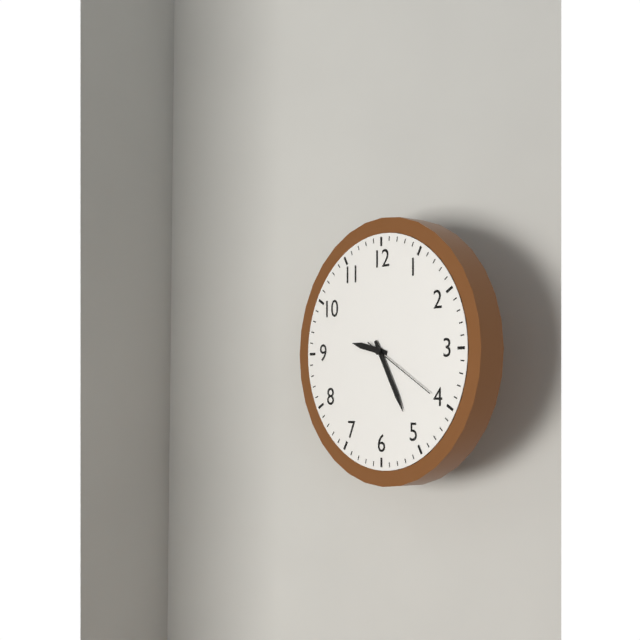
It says h=9 m=25 s=20
